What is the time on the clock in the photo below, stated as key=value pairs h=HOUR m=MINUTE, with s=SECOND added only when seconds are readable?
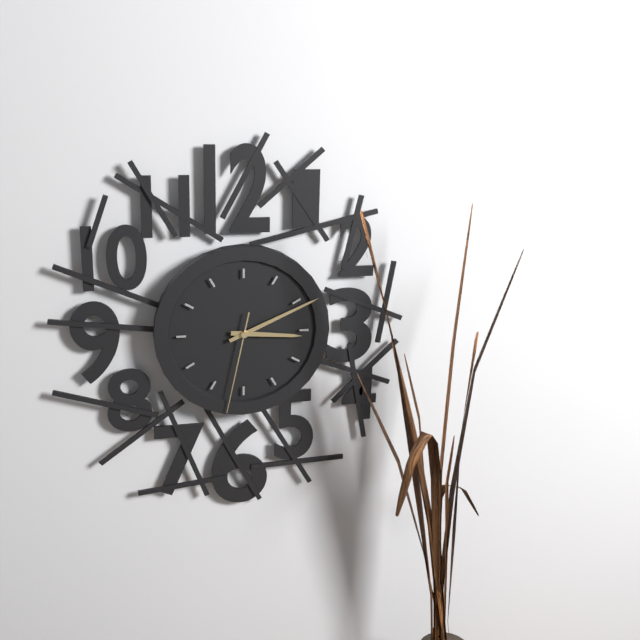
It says h=3 m=11 s=32
